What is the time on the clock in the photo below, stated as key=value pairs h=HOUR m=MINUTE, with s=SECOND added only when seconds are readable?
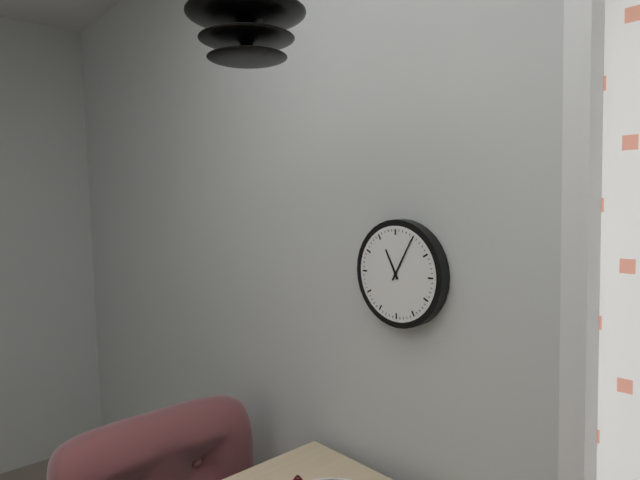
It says h=11 m=5
